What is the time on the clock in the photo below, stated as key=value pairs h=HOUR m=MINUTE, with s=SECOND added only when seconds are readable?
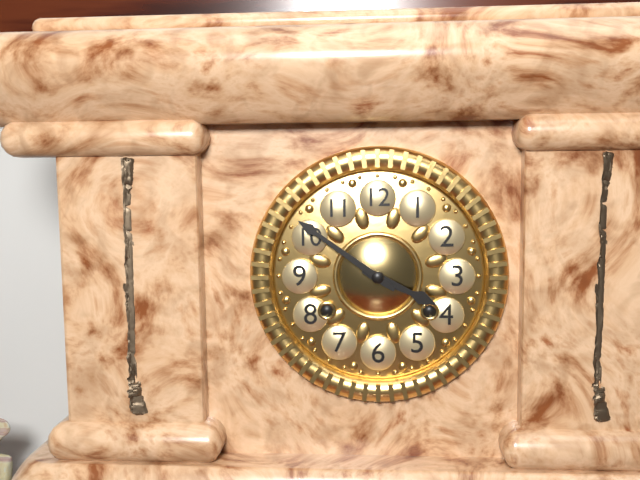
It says h=3 m=51
